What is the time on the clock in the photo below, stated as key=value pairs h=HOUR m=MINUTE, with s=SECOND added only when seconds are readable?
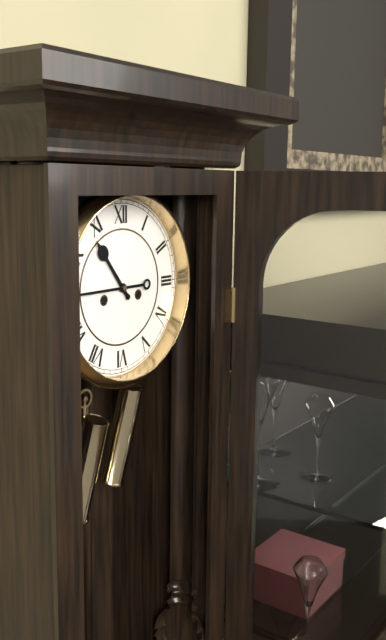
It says h=10 m=45
